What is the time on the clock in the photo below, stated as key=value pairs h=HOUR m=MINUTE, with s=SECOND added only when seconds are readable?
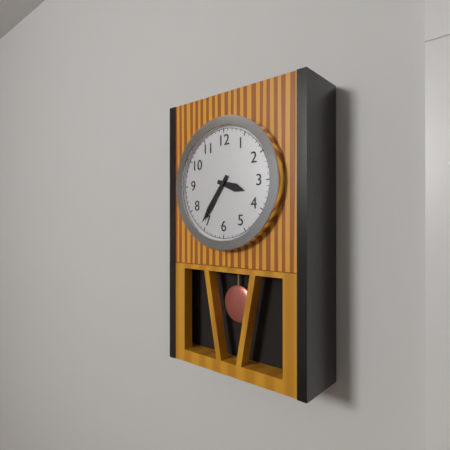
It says h=3 m=36
